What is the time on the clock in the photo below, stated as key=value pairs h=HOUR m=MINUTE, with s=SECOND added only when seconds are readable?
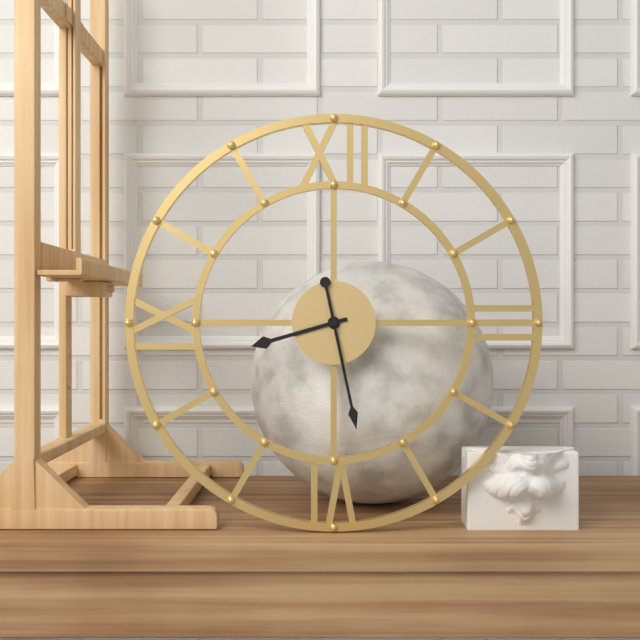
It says h=8 m=28
